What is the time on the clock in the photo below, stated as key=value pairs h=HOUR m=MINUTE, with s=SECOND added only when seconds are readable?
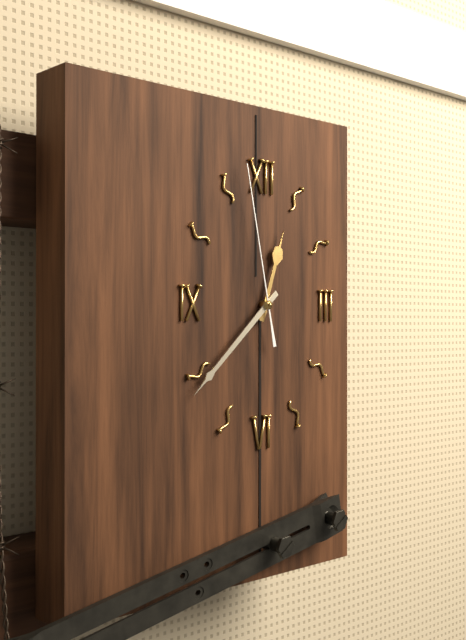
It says h=12 m=38 s=58
